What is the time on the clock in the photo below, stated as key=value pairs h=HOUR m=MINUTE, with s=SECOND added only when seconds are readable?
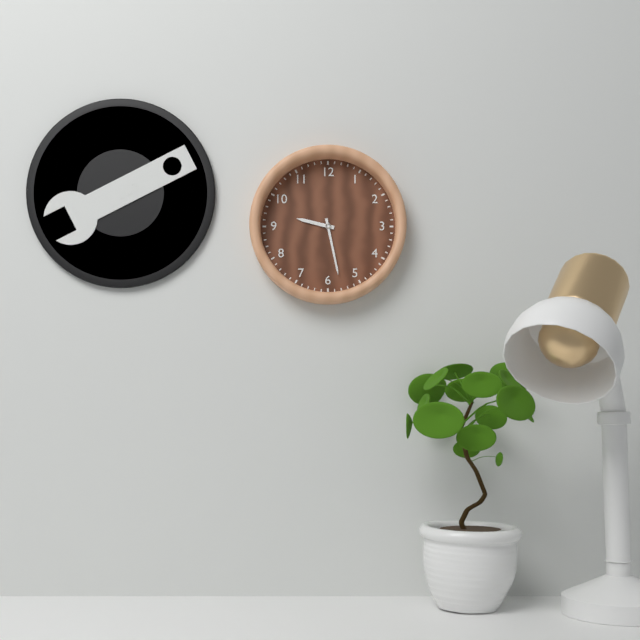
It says h=9 m=28
